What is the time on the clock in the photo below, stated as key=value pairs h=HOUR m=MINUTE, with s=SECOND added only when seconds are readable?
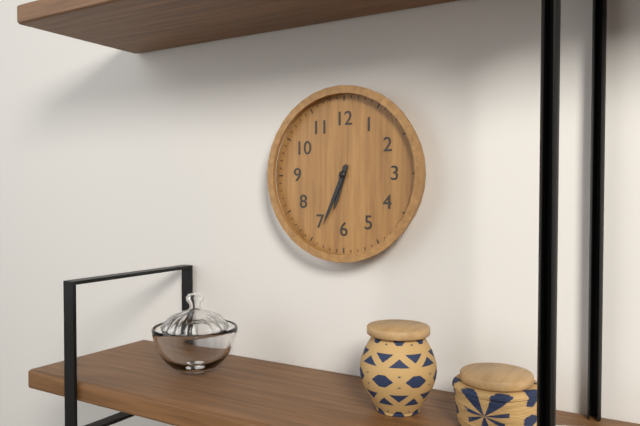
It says h=6 m=34
